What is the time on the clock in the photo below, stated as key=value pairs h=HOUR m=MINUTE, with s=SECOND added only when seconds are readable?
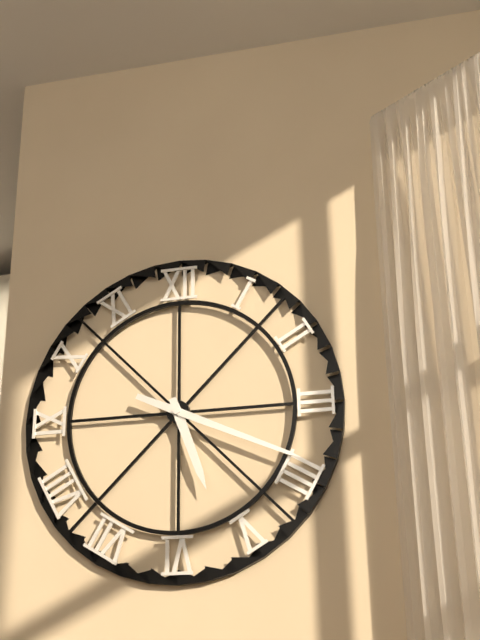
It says h=5 m=19
